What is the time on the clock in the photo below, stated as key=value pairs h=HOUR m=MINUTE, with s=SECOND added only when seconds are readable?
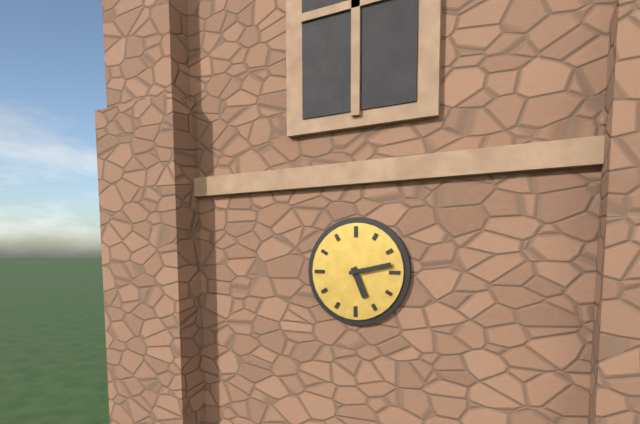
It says h=5 m=13
